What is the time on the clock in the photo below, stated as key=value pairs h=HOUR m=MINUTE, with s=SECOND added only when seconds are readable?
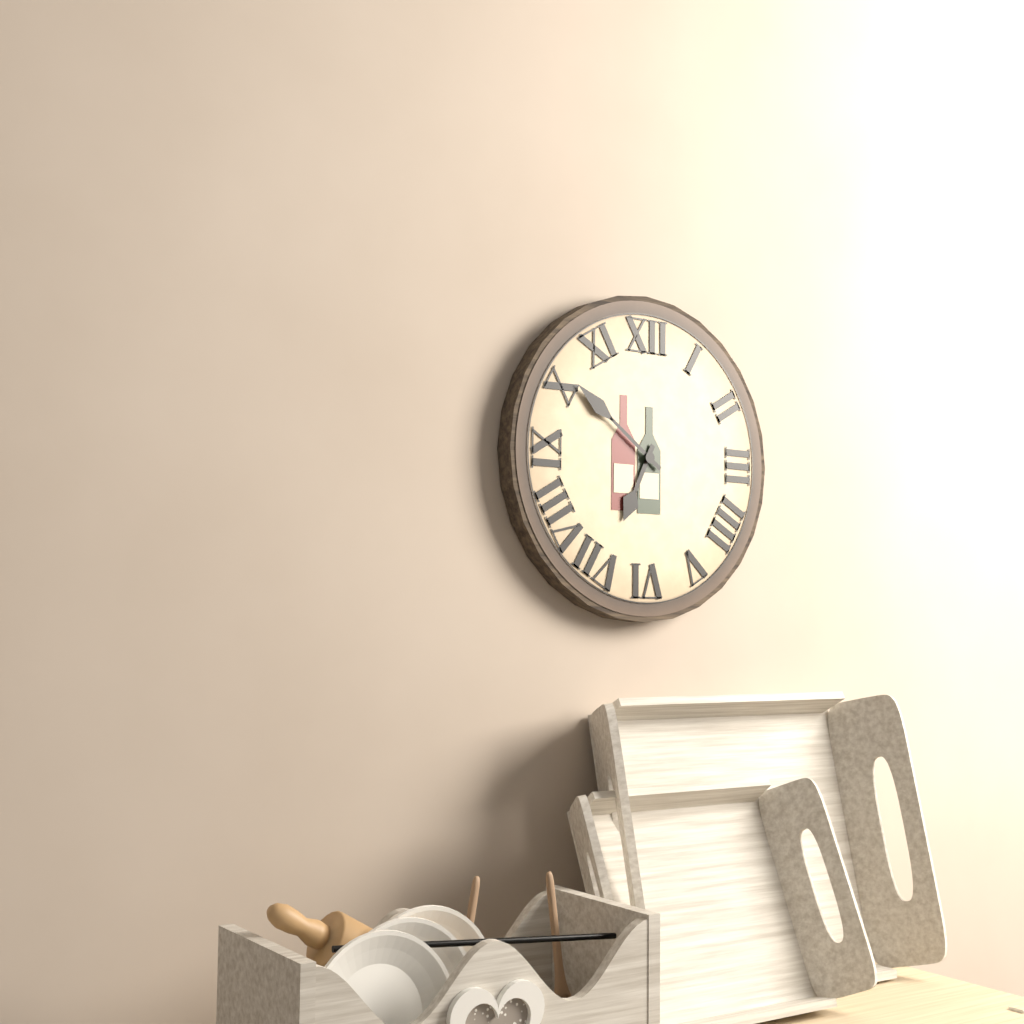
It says h=6 m=51
